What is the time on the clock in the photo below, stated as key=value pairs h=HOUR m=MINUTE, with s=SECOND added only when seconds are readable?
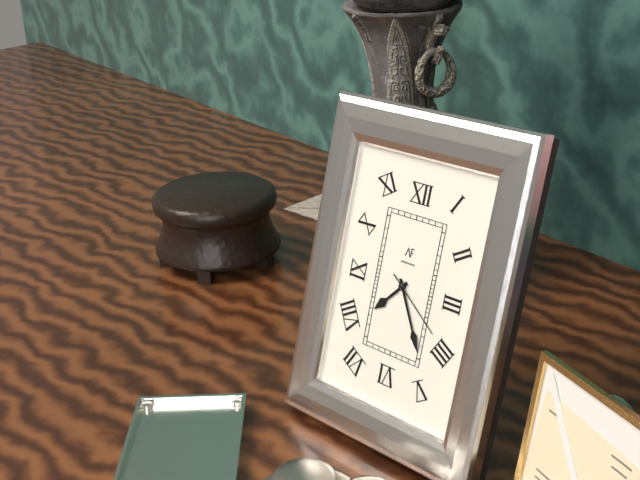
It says h=7 m=25 s=21
